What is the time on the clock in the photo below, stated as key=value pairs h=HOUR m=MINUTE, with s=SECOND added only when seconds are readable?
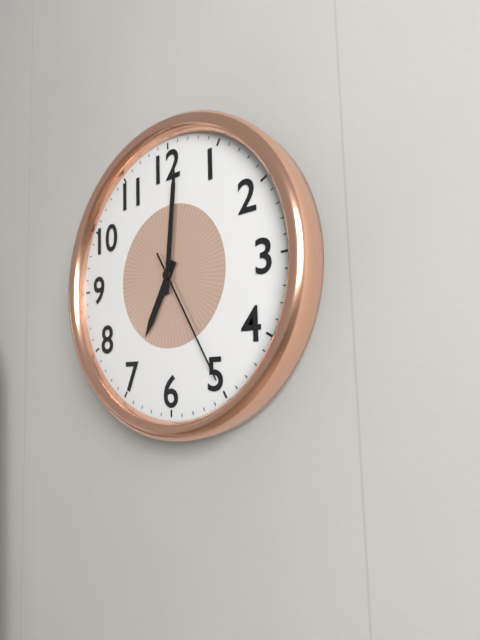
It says h=7 m=1 s=25
